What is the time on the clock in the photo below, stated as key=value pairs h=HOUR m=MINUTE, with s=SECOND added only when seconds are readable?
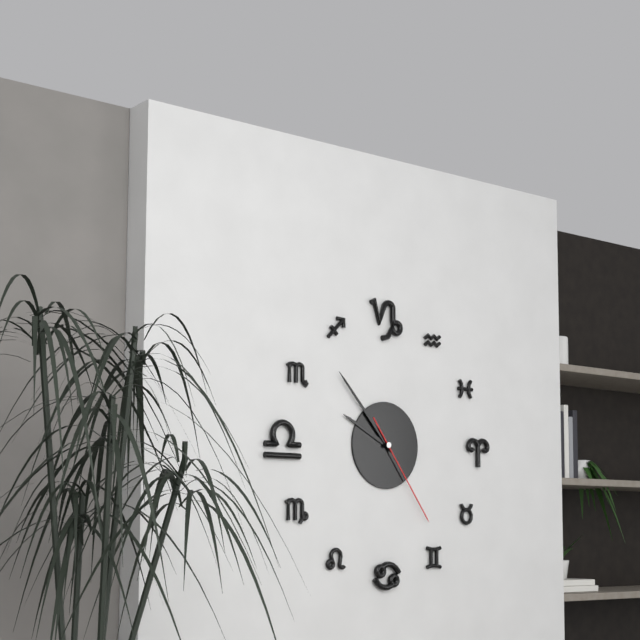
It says h=9 m=53 s=24
